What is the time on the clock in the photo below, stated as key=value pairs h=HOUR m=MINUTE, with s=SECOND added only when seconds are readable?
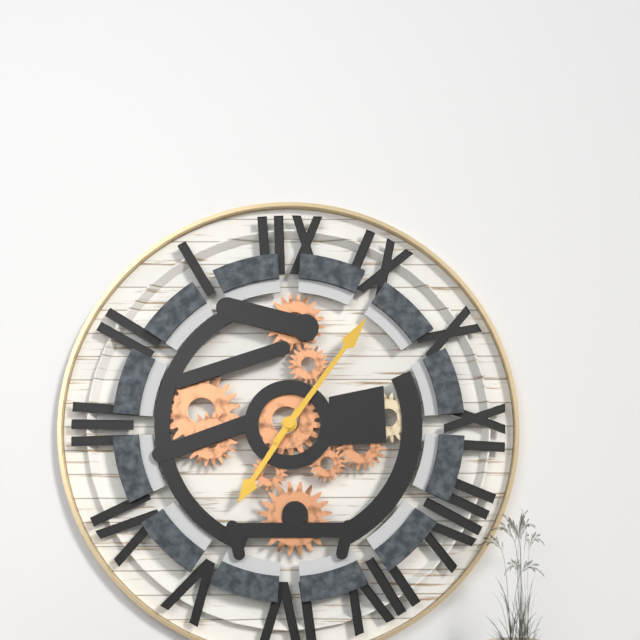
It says h=7 m=6
